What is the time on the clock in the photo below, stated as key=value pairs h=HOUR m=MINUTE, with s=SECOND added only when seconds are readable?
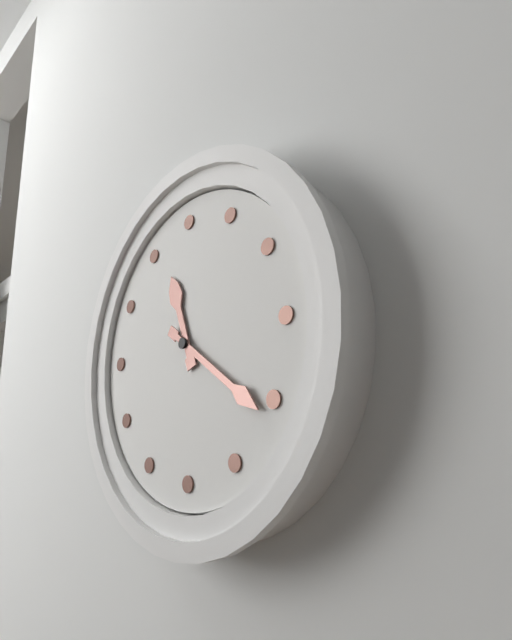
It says h=11 m=21
